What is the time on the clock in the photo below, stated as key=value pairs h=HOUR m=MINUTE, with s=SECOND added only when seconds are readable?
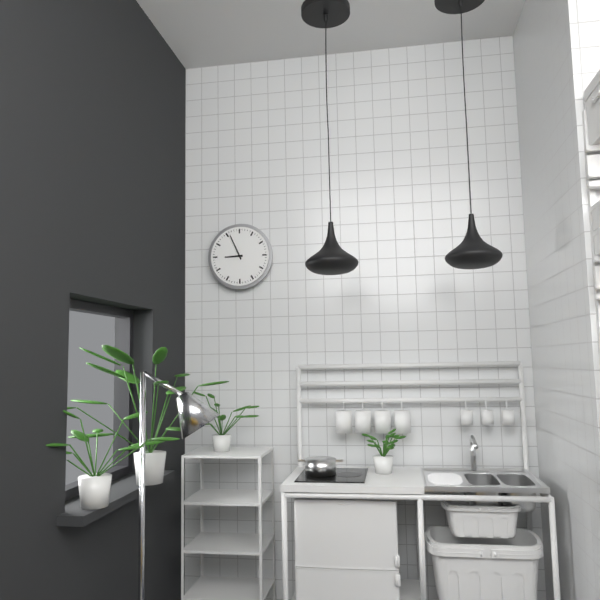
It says h=8 m=56
